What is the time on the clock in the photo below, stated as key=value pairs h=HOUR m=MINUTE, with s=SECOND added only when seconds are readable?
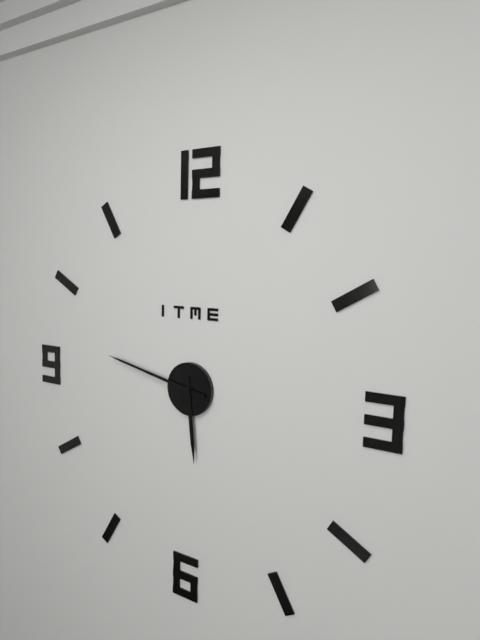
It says h=5 m=47
